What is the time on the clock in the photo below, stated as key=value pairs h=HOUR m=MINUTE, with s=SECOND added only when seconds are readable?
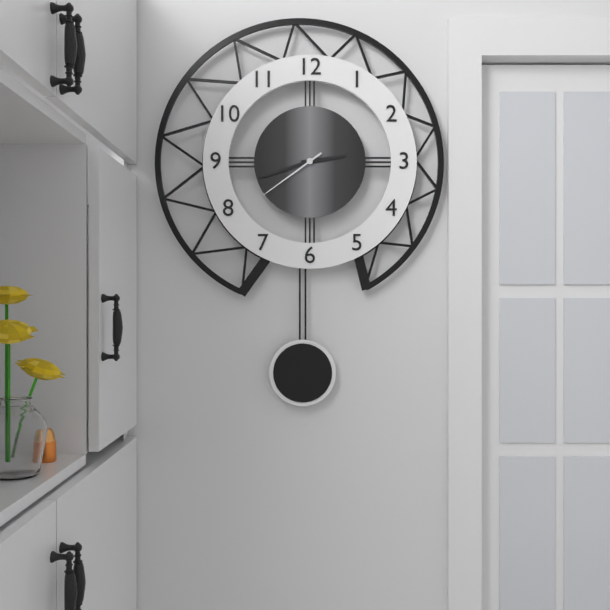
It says h=2 m=42 s=39
